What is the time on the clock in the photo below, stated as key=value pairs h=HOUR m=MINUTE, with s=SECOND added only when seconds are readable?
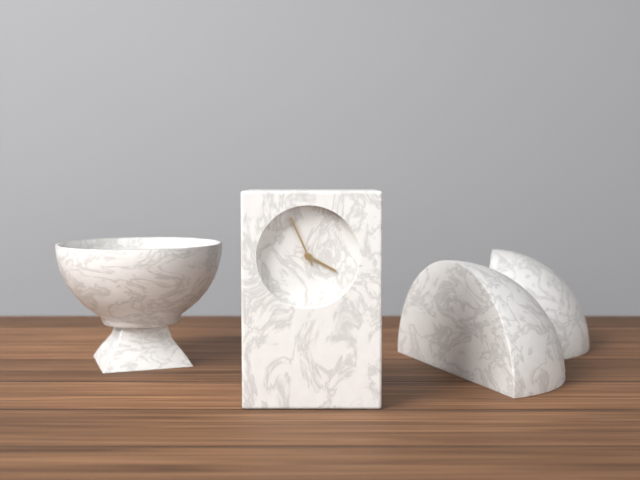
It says h=3 m=56
